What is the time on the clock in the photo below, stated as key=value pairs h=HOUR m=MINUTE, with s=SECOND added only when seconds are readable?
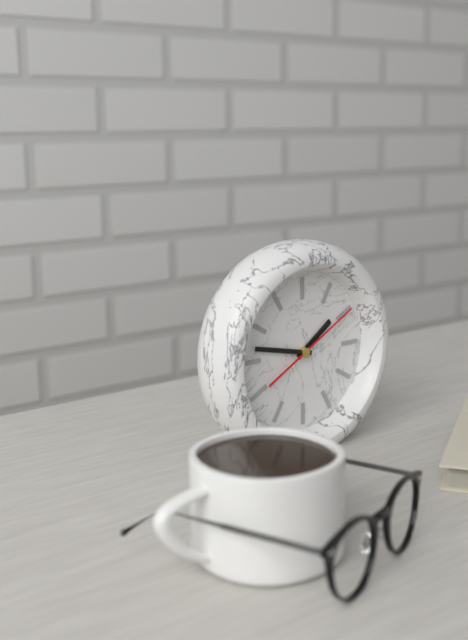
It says h=1 m=47 s=10
